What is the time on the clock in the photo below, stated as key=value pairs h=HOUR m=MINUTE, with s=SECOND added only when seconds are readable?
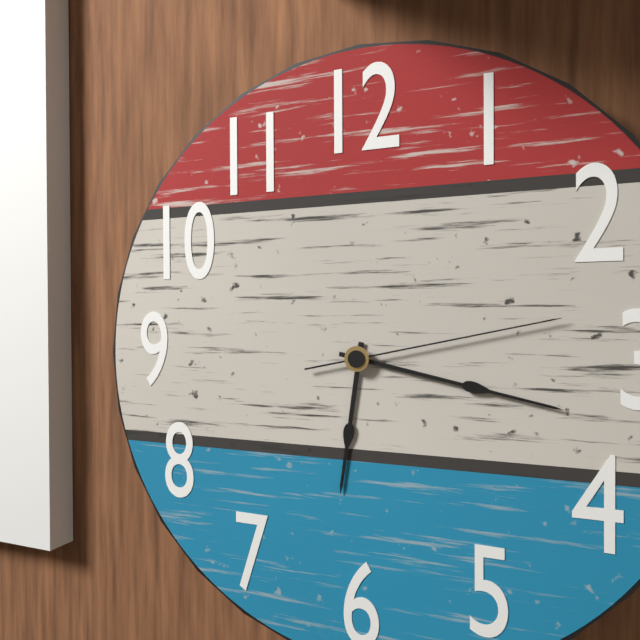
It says h=6 m=17 s=13
